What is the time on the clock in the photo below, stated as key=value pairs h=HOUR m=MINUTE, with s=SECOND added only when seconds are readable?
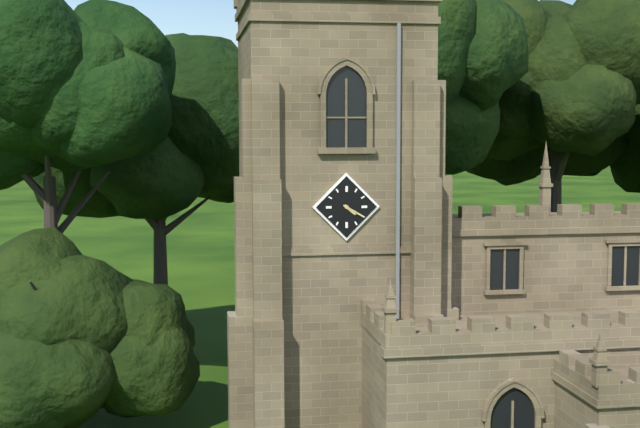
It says h=4 m=20
